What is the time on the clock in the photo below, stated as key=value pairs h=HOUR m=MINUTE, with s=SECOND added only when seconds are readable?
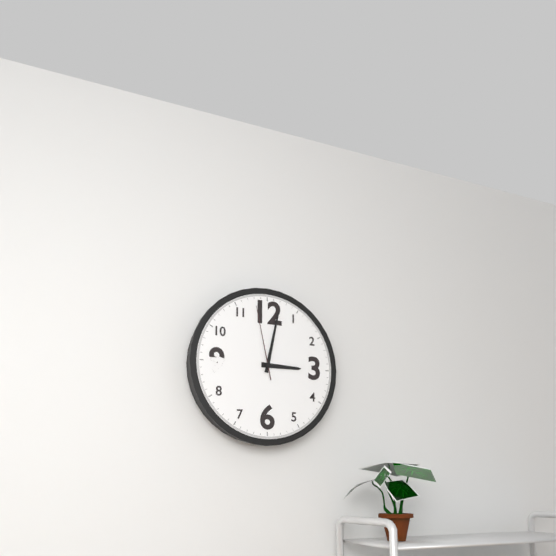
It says h=3 m=2 s=58
